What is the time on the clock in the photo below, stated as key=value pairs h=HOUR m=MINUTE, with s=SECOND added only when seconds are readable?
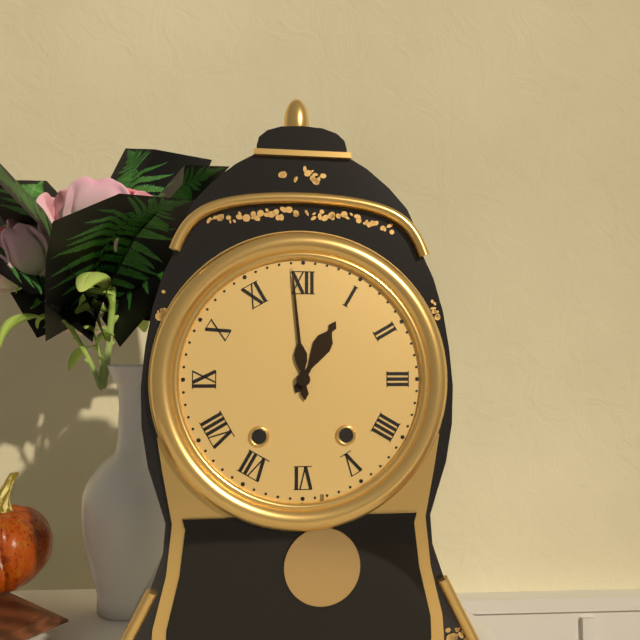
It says h=12 m=59
